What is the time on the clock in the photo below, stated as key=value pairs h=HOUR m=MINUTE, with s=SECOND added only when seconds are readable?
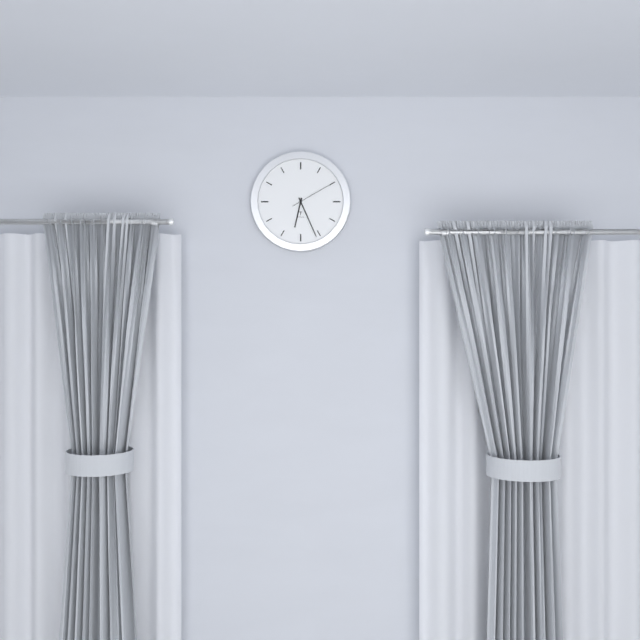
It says h=6 m=26
